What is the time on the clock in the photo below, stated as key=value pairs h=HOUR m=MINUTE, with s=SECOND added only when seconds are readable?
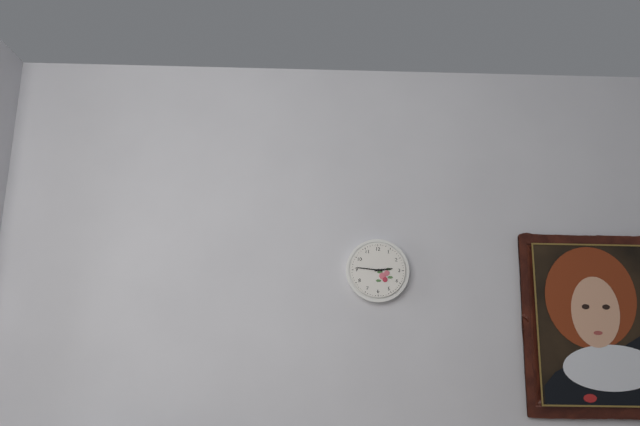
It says h=2 m=46
